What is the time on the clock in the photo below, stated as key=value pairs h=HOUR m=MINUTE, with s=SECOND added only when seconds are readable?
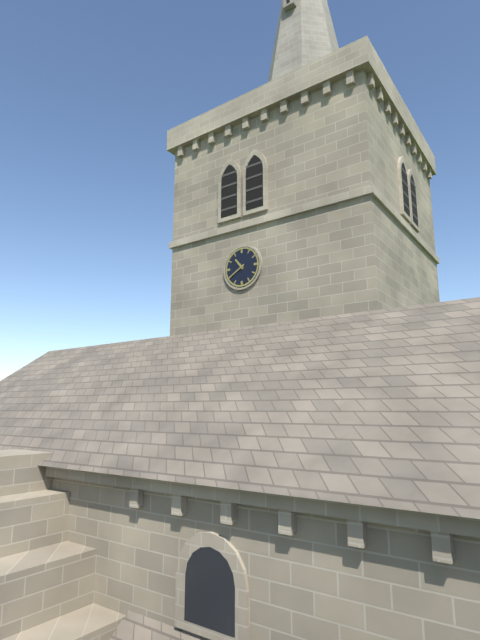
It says h=10 m=40
